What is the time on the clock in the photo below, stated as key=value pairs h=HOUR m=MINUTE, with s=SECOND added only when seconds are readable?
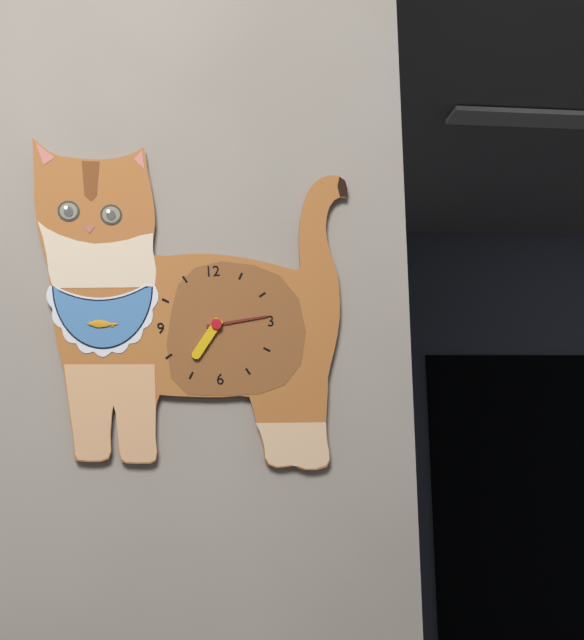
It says h=7 m=14
